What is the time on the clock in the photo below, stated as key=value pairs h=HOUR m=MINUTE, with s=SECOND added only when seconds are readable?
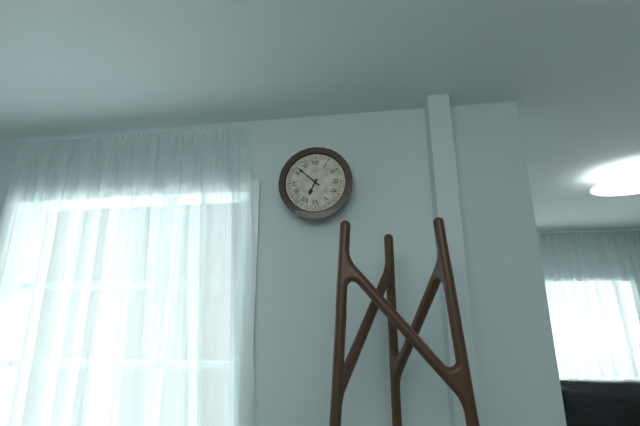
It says h=6 m=52
